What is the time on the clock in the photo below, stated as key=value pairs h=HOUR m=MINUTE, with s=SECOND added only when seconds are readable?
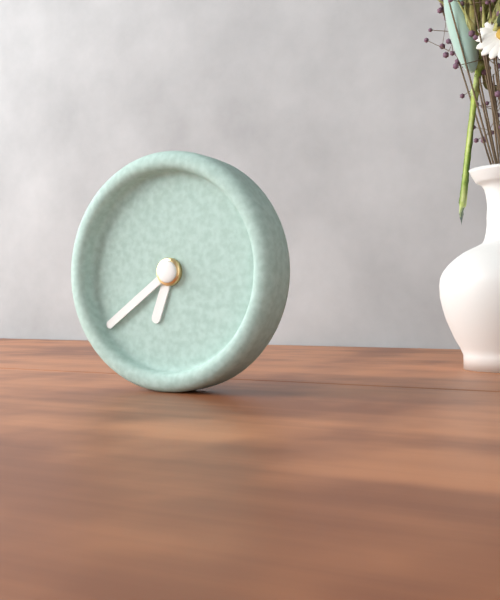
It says h=6 m=39
